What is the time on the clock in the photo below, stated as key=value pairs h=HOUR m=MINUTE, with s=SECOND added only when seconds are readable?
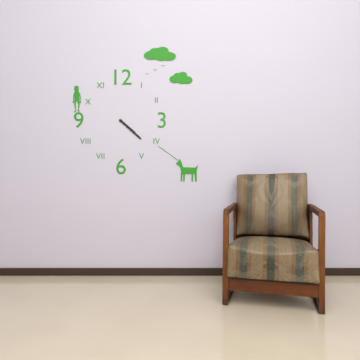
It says h=4 m=22
